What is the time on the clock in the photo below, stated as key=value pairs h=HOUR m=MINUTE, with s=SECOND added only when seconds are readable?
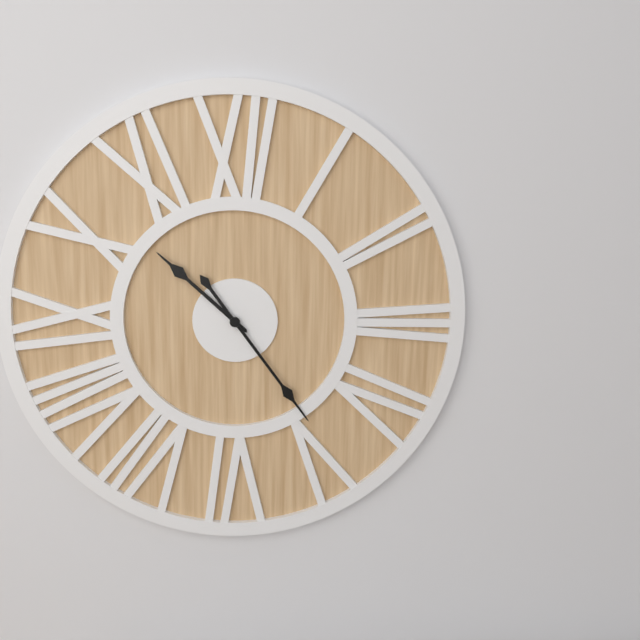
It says h=10 m=24
